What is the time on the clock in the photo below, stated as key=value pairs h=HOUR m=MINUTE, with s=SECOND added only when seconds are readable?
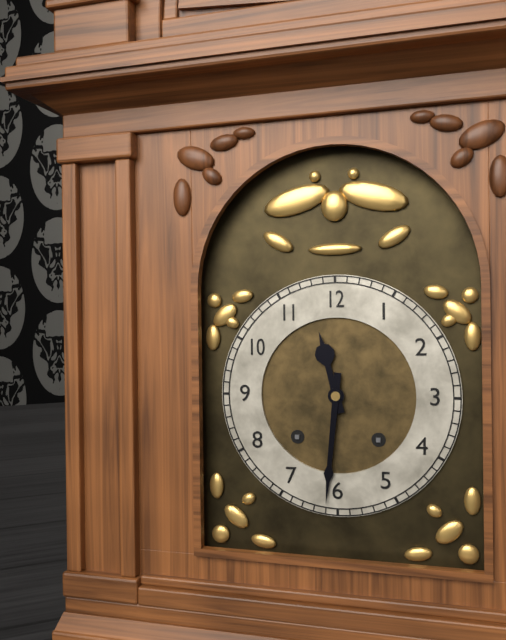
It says h=11 m=31
